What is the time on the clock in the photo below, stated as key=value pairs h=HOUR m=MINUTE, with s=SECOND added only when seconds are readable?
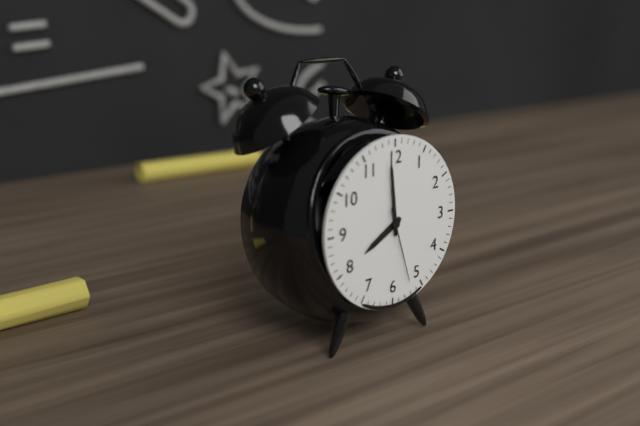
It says h=7 m=59 s=27
